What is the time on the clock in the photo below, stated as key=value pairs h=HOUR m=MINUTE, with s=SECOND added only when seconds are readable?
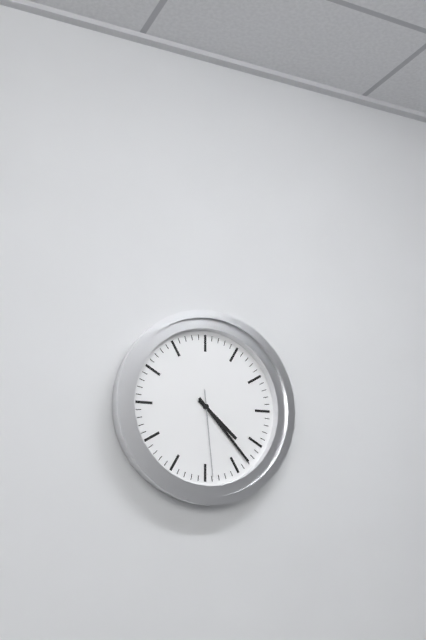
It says h=4 m=23 s=29
